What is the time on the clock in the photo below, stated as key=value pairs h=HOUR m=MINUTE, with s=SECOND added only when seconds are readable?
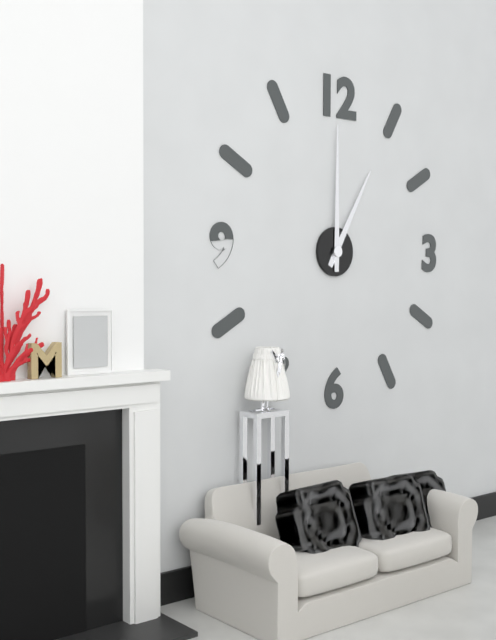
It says h=1 m=0
